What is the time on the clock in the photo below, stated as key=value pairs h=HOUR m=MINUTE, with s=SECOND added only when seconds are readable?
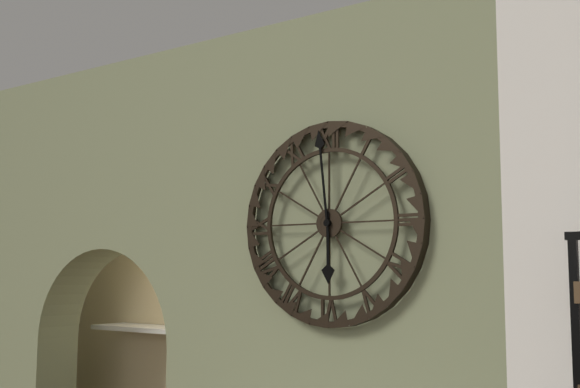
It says h=5 m=59
